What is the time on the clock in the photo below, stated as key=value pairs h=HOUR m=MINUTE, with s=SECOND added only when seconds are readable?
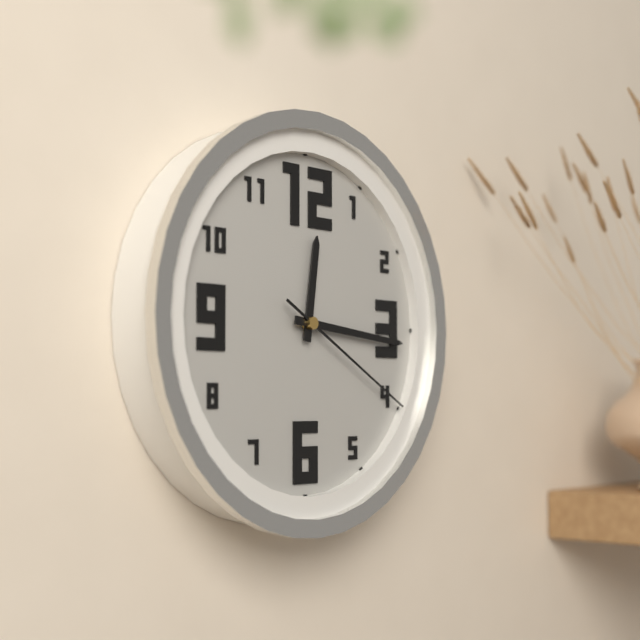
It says h=12 m=16 s=20
